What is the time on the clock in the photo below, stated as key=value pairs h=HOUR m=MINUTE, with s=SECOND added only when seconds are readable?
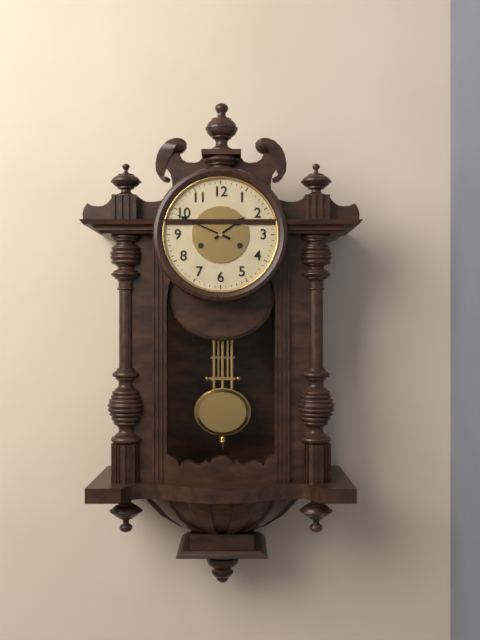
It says h=1 m=49
